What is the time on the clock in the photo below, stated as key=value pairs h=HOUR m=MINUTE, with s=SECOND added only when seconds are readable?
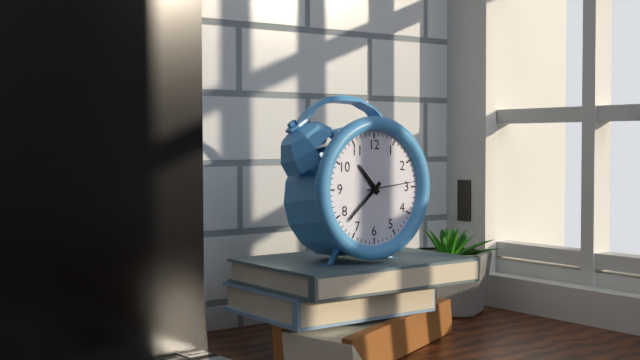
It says h=10 m=38
